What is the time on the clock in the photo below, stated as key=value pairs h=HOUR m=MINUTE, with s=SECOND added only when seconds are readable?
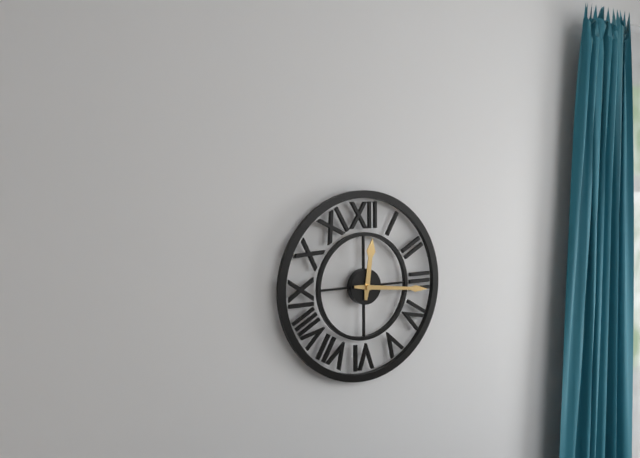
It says h=12 m=16
